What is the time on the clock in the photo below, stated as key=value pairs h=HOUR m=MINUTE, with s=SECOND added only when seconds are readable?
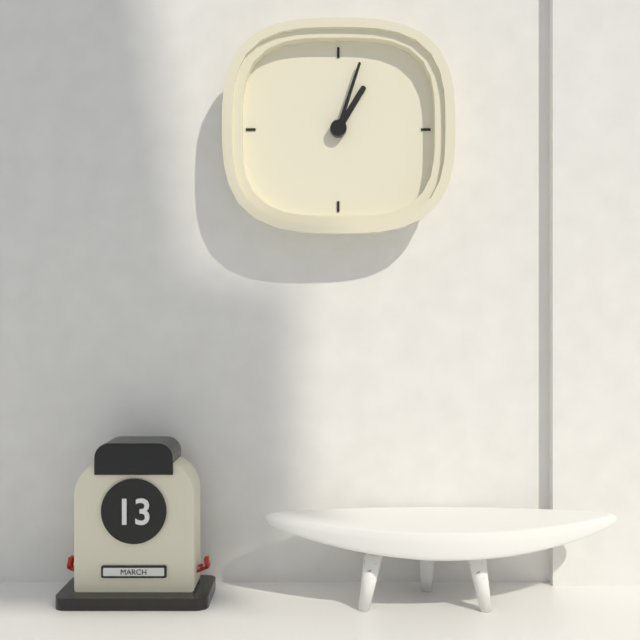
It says h=1 m=3
